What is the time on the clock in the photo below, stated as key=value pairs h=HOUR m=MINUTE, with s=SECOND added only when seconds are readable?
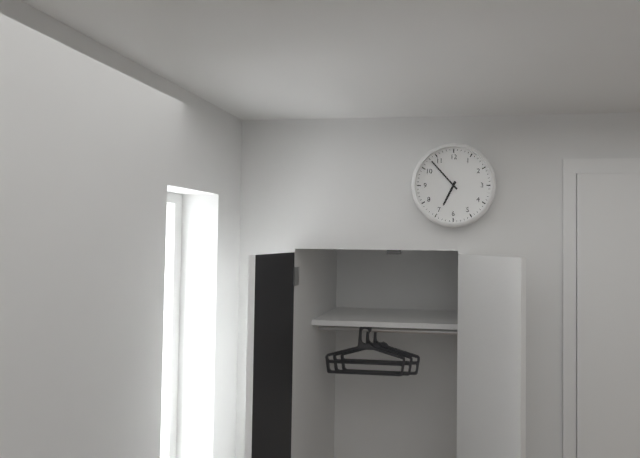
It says h=6 m=53
